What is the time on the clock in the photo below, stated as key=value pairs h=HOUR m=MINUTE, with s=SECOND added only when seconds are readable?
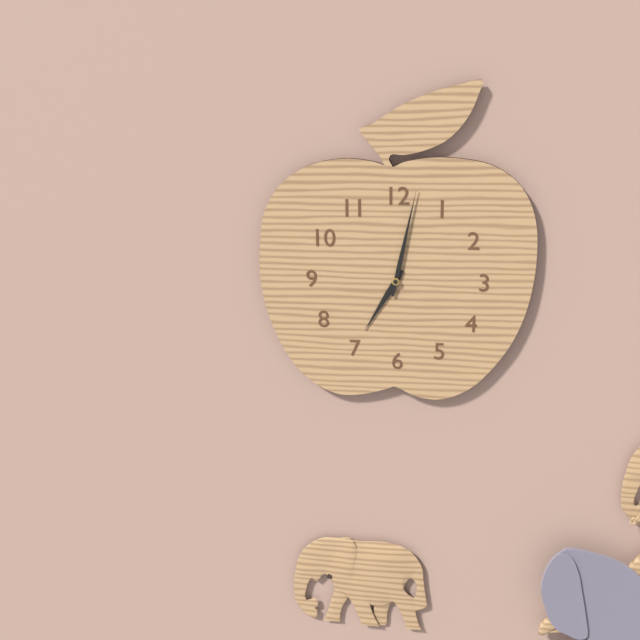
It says h=7 m=2
